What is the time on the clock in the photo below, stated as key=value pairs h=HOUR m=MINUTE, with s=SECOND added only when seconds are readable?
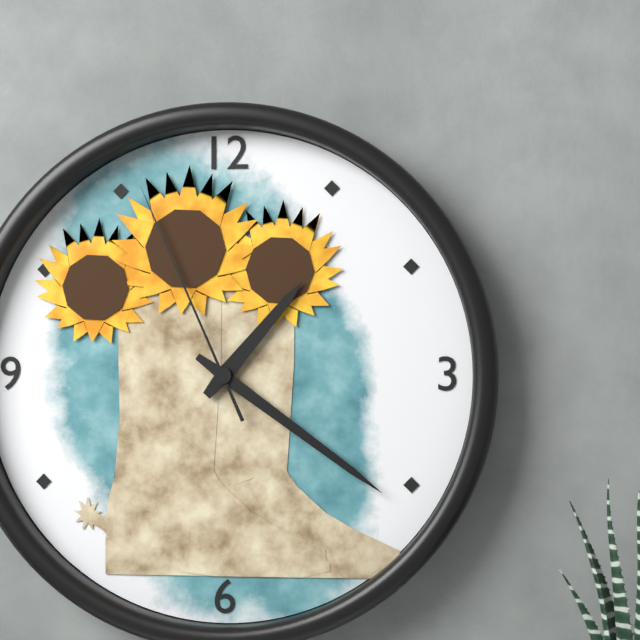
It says h=1 m=21 s=56
